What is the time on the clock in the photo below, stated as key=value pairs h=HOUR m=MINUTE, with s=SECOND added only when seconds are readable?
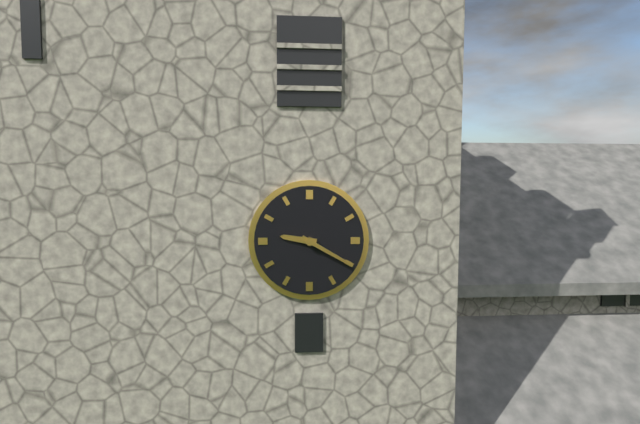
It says h=9 m=20
